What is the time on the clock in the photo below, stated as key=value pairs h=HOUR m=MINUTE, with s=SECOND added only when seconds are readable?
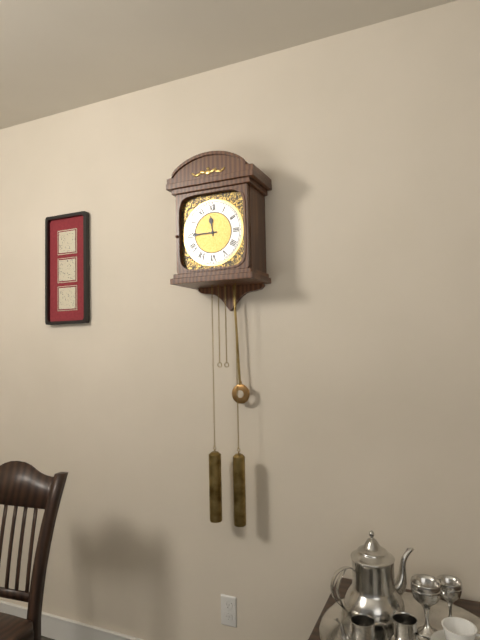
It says h=11 m=45
